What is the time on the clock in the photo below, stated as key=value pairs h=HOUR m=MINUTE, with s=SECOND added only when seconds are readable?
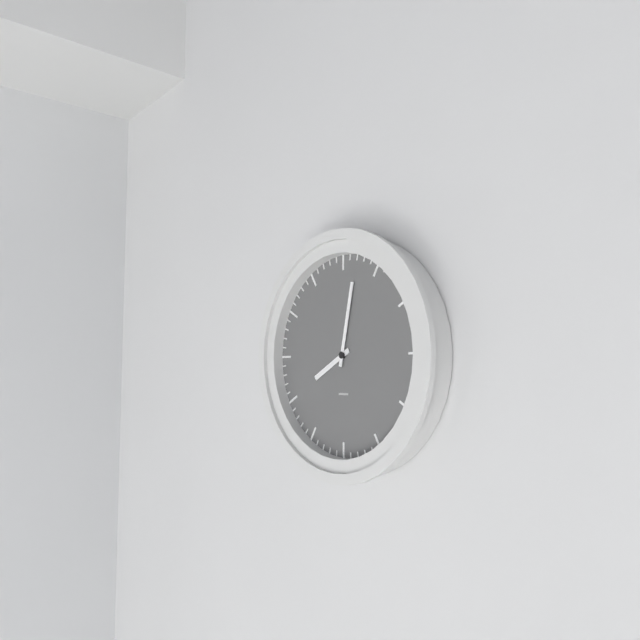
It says h=8 m=2
